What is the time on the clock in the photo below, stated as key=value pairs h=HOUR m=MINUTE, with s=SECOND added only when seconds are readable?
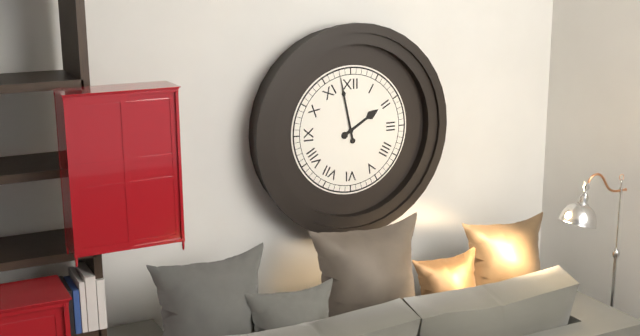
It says h=1 m=58
